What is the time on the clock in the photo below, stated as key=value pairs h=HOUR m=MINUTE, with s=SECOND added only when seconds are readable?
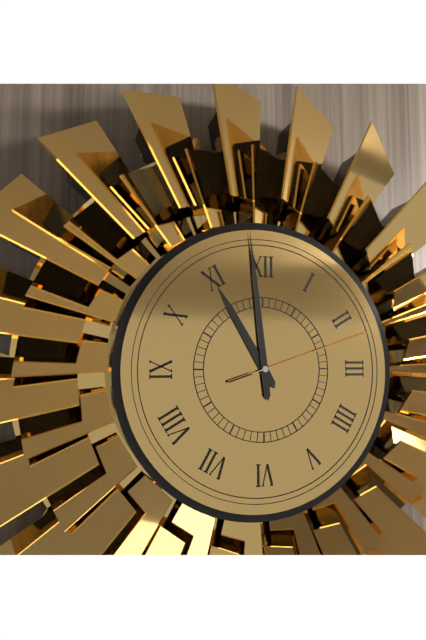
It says h=10 m=59 s=12
